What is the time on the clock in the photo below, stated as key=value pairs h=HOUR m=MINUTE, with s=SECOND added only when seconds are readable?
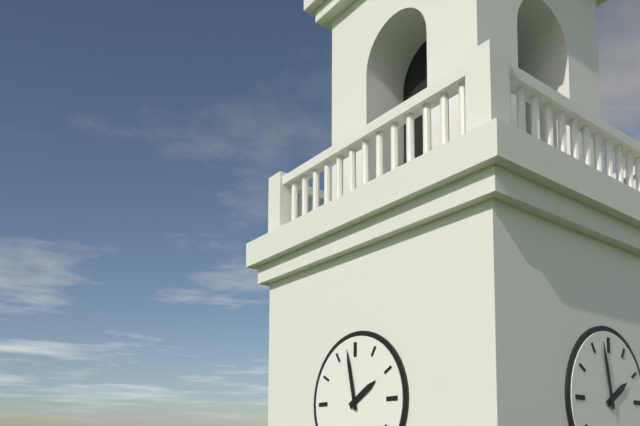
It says h=1 m=58
